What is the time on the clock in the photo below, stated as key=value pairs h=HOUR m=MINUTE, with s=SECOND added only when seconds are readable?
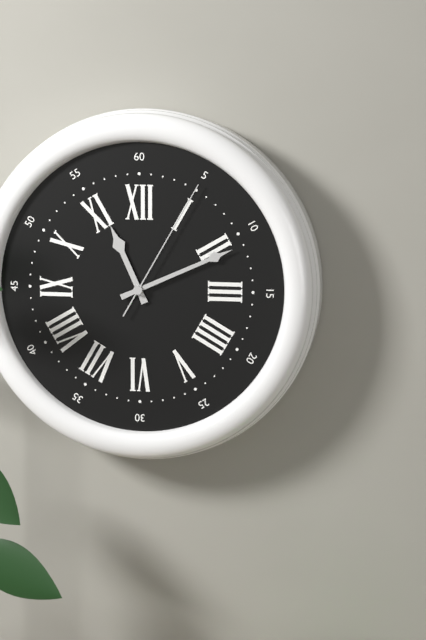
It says h=11 m=11 s=5
